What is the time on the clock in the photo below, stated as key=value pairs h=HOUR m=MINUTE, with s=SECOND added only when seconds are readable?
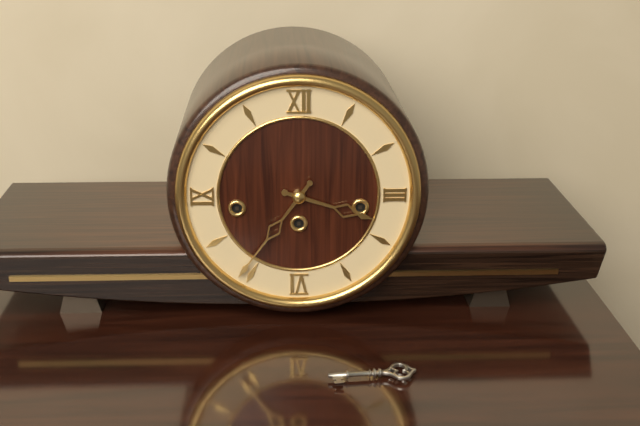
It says h=3 m=36
